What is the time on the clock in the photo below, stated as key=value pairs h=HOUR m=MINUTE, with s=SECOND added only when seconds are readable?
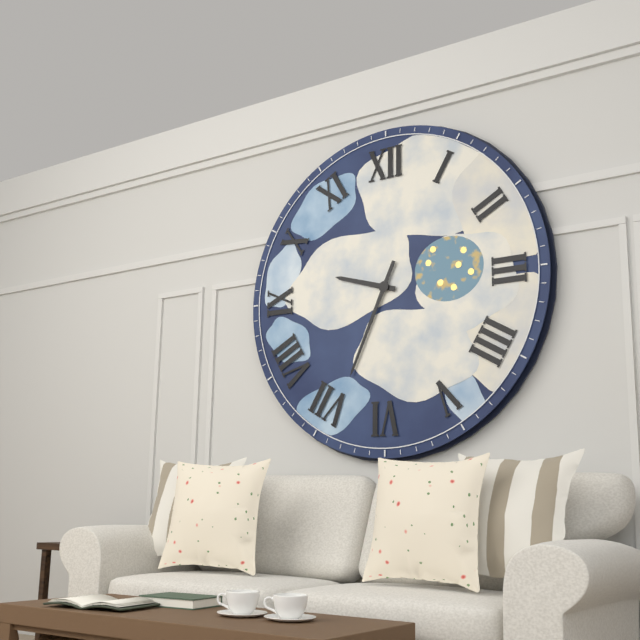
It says h=9 m=34
